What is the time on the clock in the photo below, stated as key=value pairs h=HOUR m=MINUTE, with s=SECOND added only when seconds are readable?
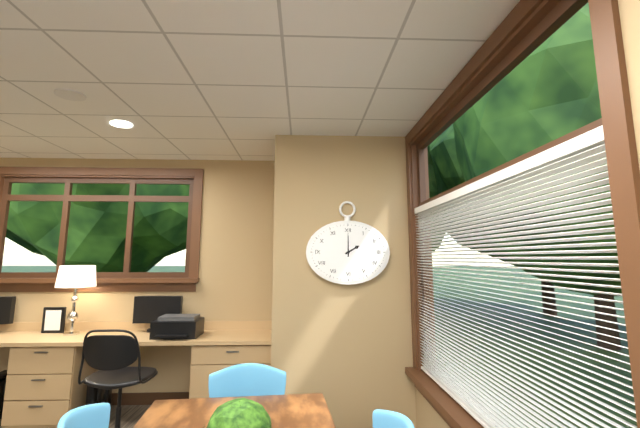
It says h=2 m=0
